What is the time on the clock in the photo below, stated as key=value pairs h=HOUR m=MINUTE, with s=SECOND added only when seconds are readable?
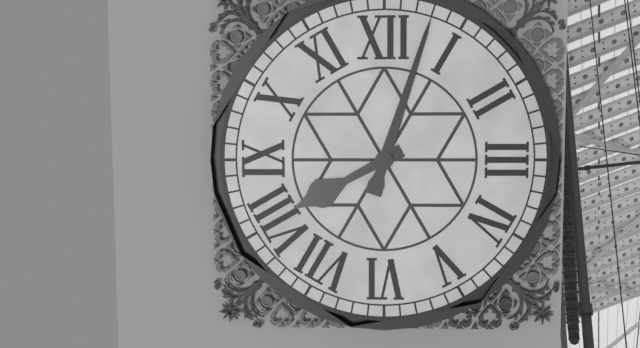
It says h=8 m=3
